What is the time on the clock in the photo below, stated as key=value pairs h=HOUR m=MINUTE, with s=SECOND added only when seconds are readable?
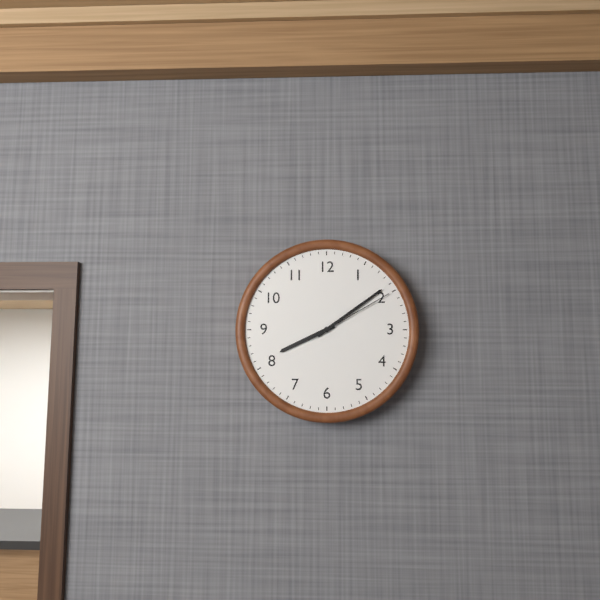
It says h=8 m=9 s=10
